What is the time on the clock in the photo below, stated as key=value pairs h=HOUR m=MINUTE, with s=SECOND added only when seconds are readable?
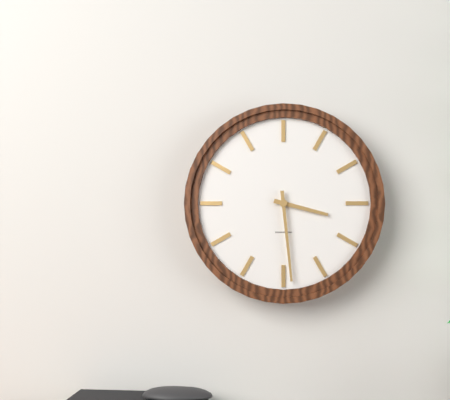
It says h=3 m=29
